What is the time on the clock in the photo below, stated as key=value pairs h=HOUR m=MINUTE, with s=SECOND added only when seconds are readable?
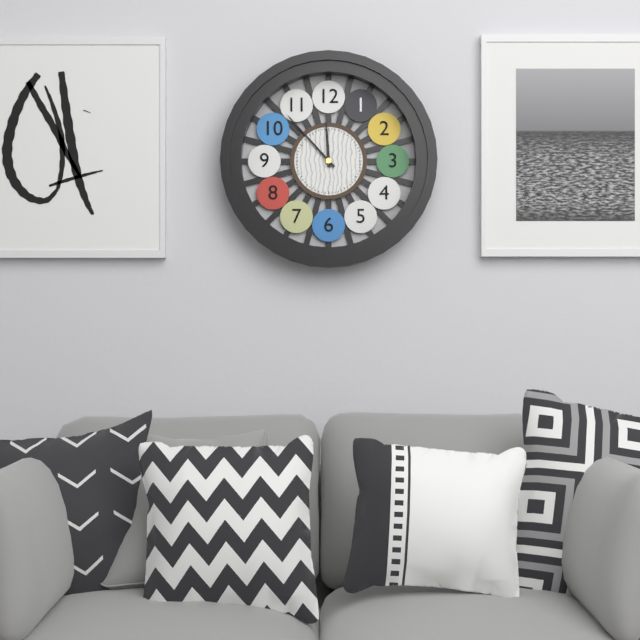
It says h=11 m=53
